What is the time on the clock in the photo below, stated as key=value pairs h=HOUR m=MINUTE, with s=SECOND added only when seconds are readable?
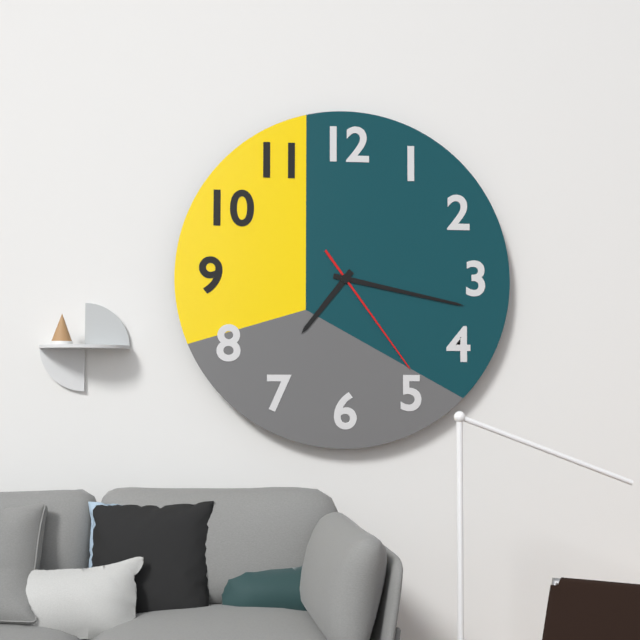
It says h=7 m=17 s=24
